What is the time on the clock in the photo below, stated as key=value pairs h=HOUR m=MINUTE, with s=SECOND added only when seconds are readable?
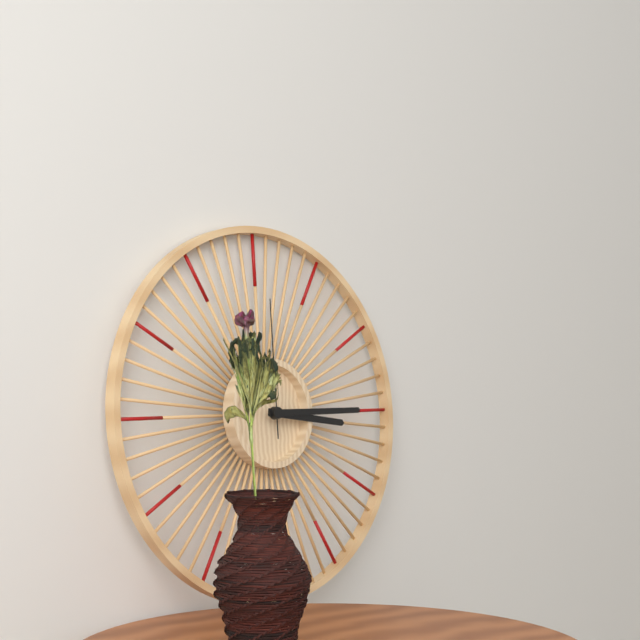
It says h=3 m=15 s=0
